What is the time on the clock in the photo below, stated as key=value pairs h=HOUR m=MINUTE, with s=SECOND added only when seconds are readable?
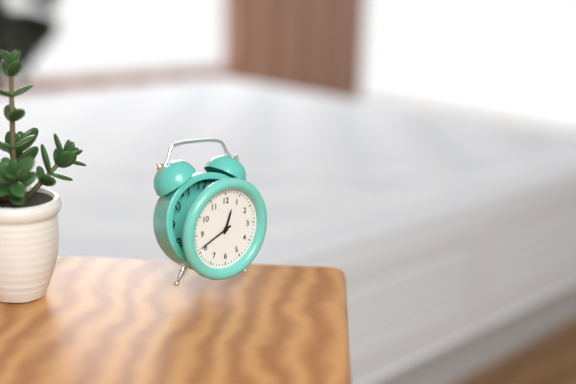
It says h=12 m=41
